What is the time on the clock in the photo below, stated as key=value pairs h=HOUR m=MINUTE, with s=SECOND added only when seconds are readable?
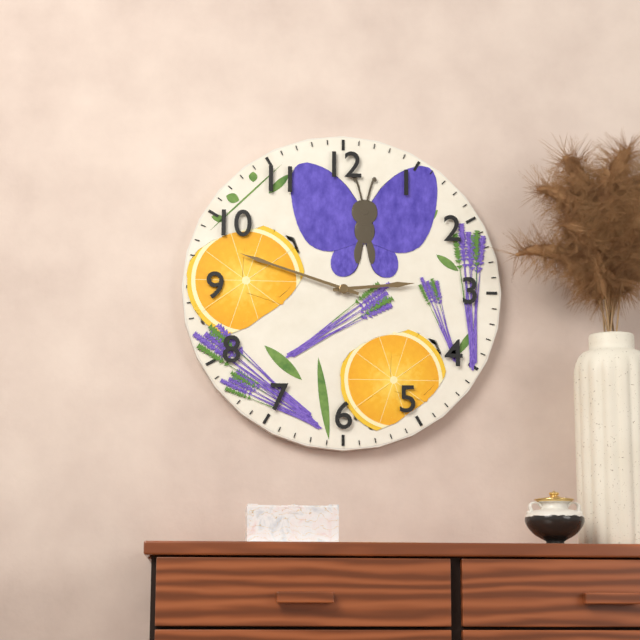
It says h=2 m=48
